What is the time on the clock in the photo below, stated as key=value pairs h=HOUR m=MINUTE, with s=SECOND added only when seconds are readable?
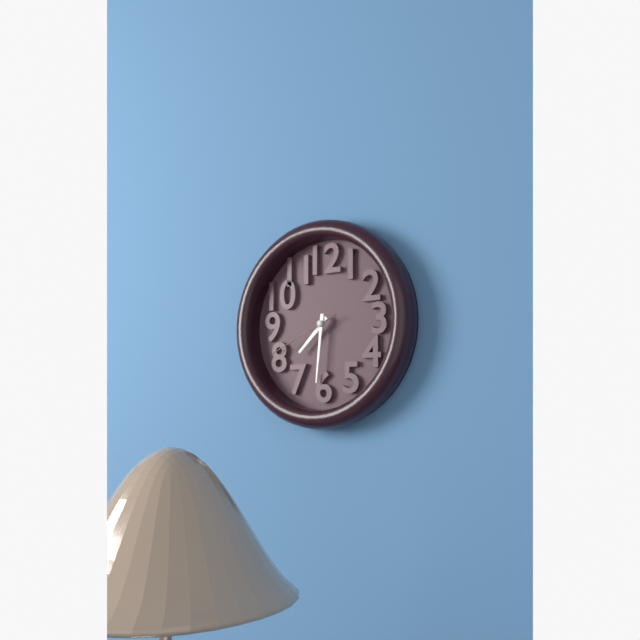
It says h=7 m=31 s=41
